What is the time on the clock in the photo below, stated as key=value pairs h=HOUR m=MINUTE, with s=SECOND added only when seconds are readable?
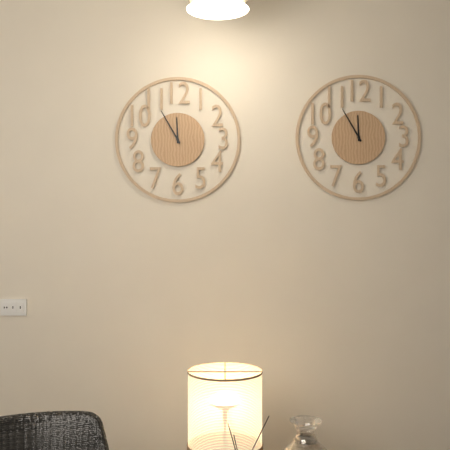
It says h=11 m=55
